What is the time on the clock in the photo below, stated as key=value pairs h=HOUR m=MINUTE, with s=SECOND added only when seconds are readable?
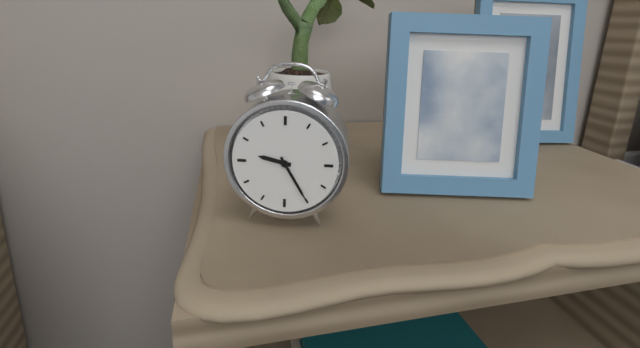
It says h=9 m=25
